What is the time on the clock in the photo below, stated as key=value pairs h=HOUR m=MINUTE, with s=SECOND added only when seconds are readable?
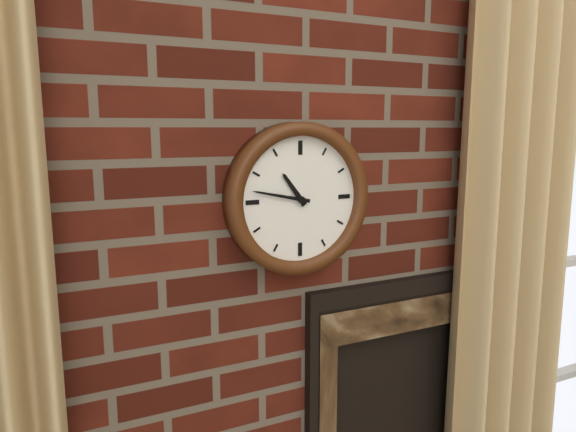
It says h=10 m=47
